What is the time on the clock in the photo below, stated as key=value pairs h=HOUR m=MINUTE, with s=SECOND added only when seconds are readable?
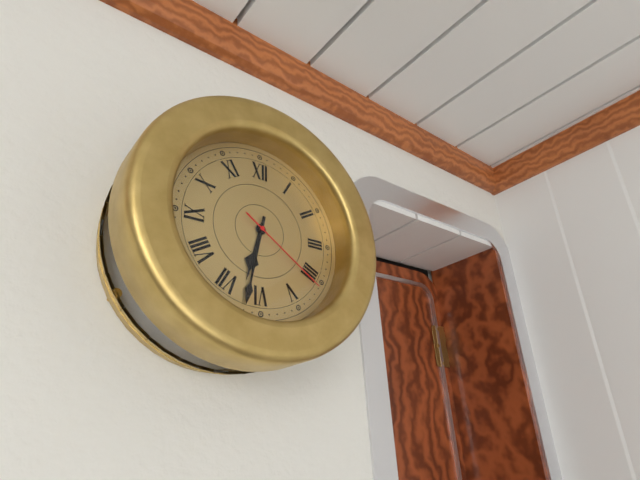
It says h=6 m=32 s=21
